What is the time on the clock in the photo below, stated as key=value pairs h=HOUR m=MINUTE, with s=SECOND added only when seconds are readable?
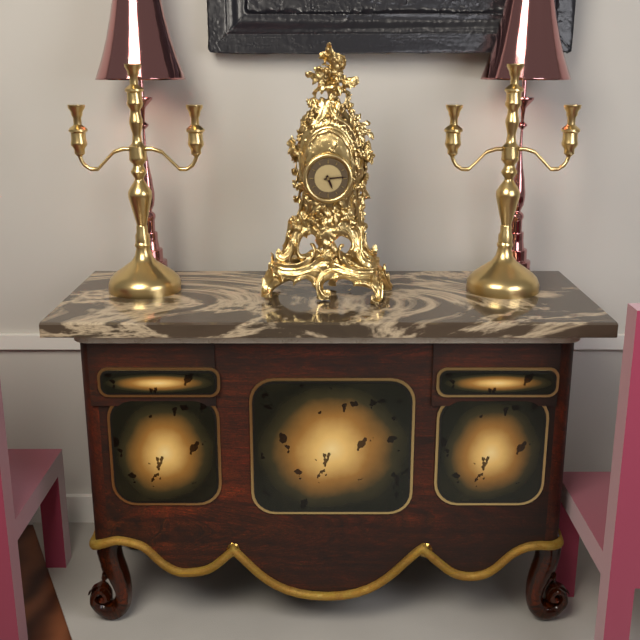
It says h=5 m=14
